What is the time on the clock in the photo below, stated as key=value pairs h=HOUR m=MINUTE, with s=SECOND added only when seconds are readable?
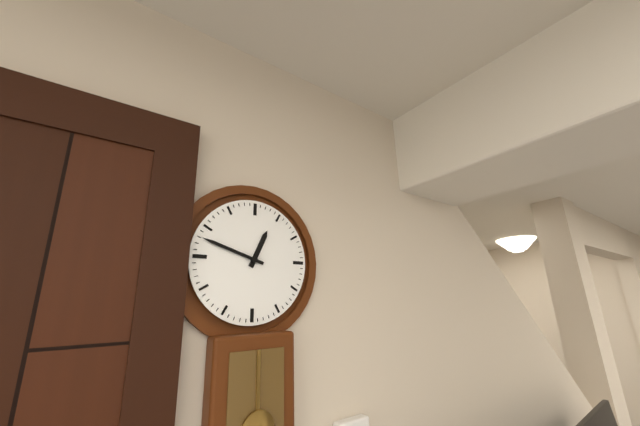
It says h=12 m=48
